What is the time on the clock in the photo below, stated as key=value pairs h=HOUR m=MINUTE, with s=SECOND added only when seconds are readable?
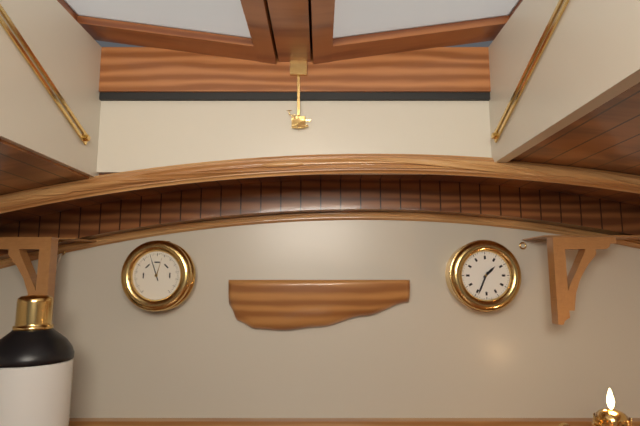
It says h=1 m=34
